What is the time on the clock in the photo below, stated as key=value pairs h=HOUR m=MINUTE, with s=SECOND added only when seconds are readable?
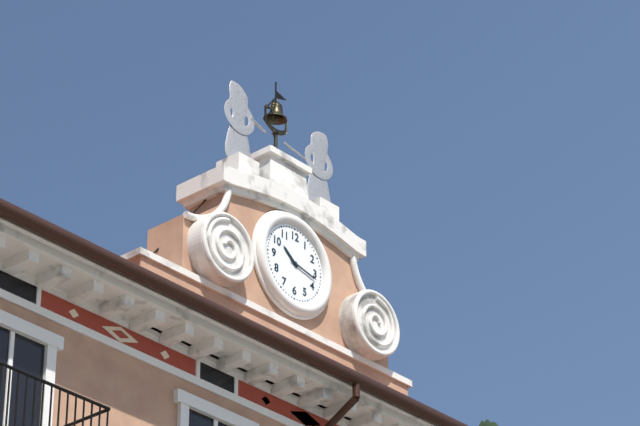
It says h=10 m=17
